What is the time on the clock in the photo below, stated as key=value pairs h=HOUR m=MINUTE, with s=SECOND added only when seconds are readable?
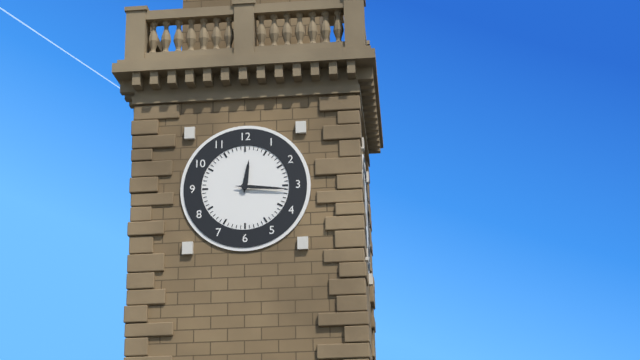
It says h=12 m=16
